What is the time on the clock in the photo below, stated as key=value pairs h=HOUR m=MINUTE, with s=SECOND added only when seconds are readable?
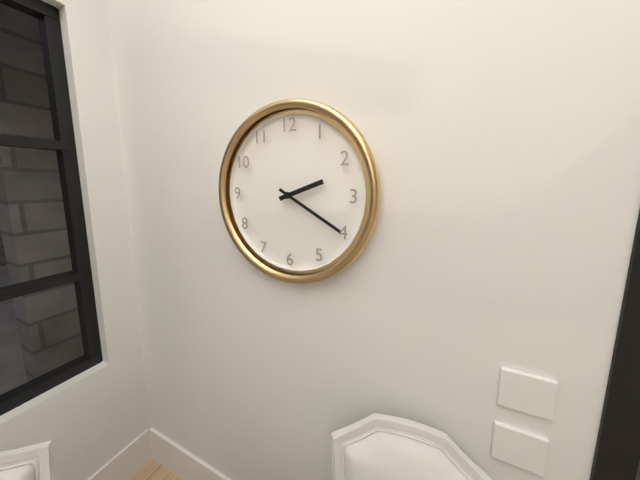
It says h=2 m=20
